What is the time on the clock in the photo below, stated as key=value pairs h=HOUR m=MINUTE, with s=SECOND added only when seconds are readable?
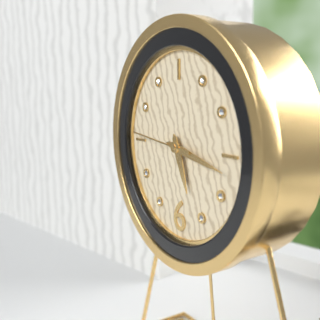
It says h=5 m=17 s=46
